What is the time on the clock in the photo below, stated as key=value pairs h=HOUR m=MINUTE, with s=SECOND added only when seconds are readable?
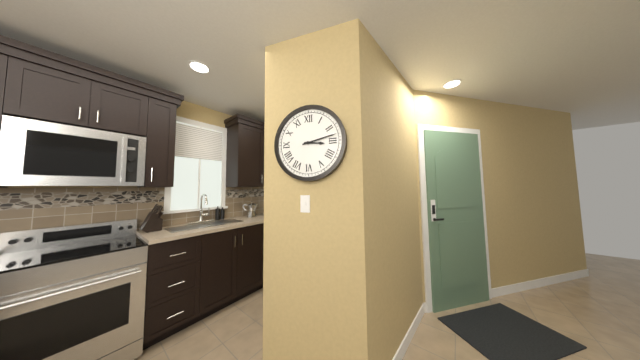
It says h=3 m=13
